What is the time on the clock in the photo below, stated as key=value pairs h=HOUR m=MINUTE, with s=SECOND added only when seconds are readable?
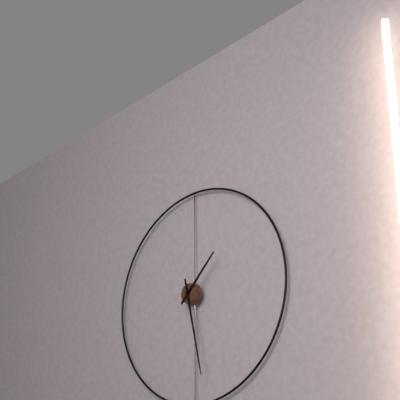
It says h=1 m=28
